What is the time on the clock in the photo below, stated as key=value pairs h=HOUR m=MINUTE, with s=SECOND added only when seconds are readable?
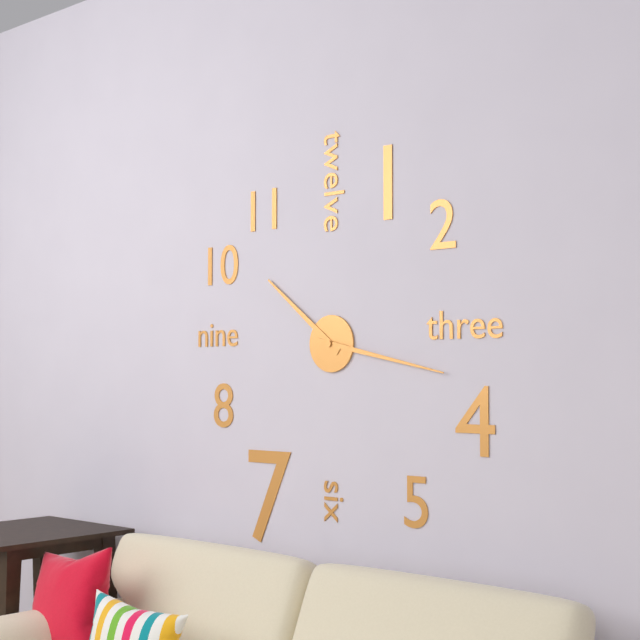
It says h=10 m=17
